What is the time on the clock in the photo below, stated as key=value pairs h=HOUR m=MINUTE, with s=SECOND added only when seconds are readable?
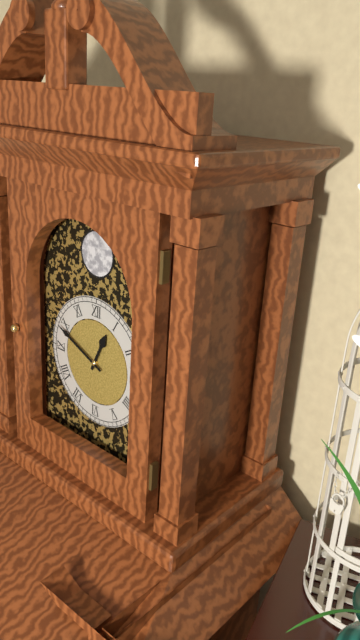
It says h=12 m=49
